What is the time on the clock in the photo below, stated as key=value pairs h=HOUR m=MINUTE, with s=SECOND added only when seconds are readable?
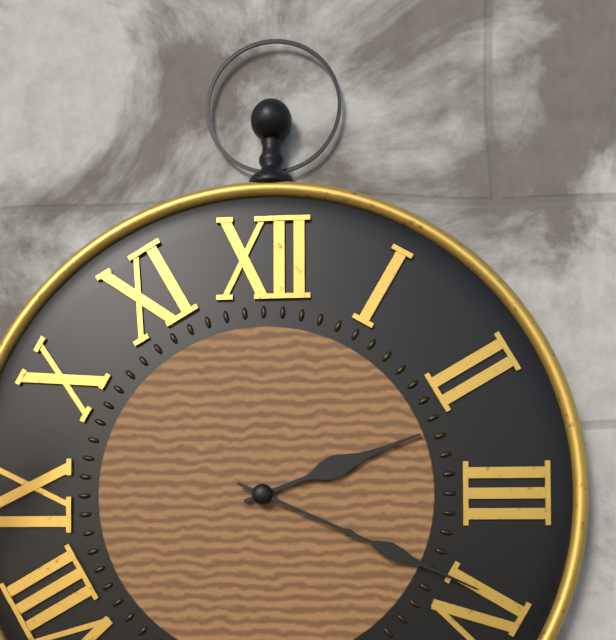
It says h=2 m=19
